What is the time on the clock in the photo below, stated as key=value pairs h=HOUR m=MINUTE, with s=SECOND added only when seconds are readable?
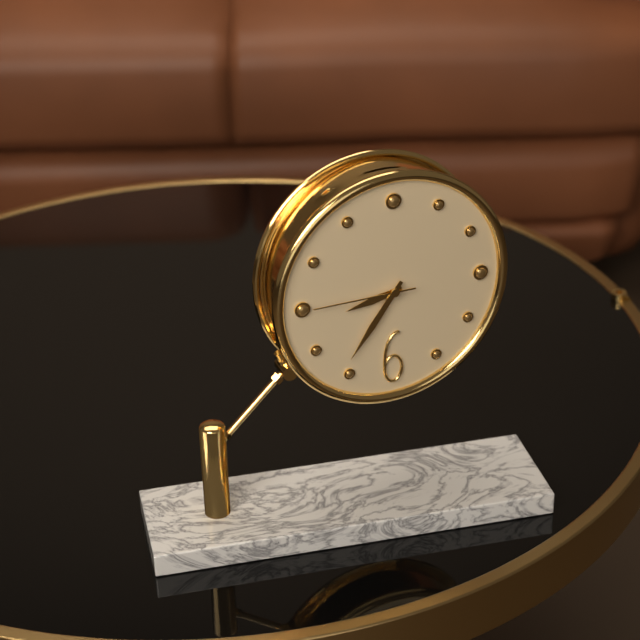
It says h=8 m=36 s=45
